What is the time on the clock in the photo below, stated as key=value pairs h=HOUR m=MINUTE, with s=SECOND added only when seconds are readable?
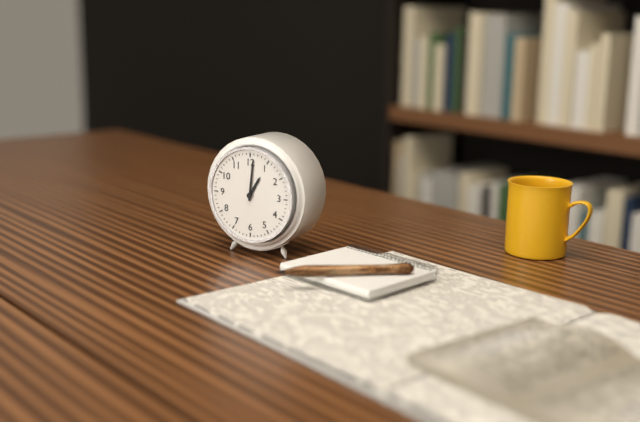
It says h=1 m=1
